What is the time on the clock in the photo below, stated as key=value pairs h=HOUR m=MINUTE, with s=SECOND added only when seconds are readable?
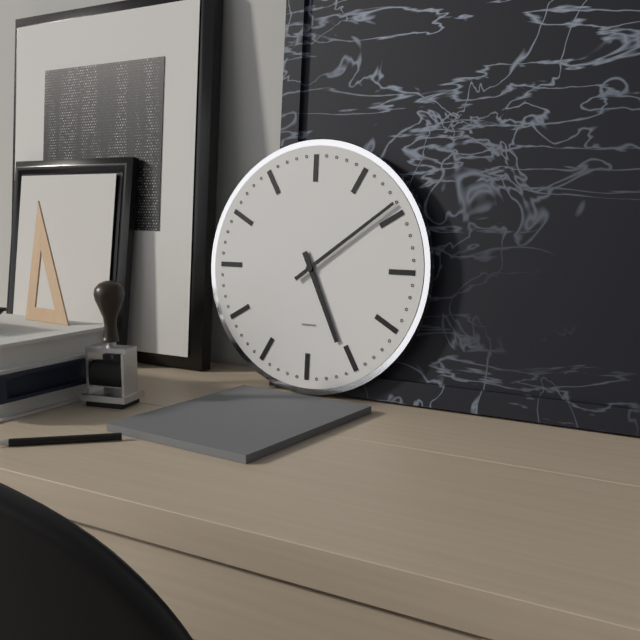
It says h=5 m=9
